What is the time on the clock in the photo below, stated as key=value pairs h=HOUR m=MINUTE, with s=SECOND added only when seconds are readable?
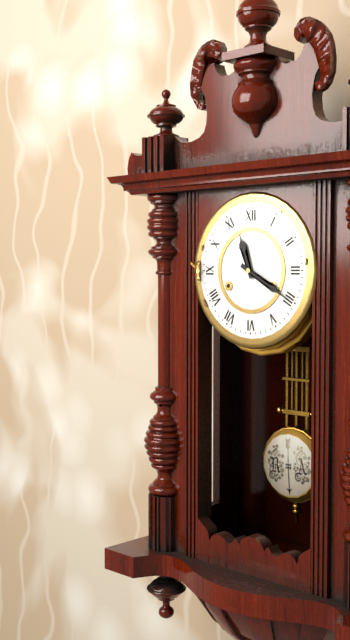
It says h=11 m=20
